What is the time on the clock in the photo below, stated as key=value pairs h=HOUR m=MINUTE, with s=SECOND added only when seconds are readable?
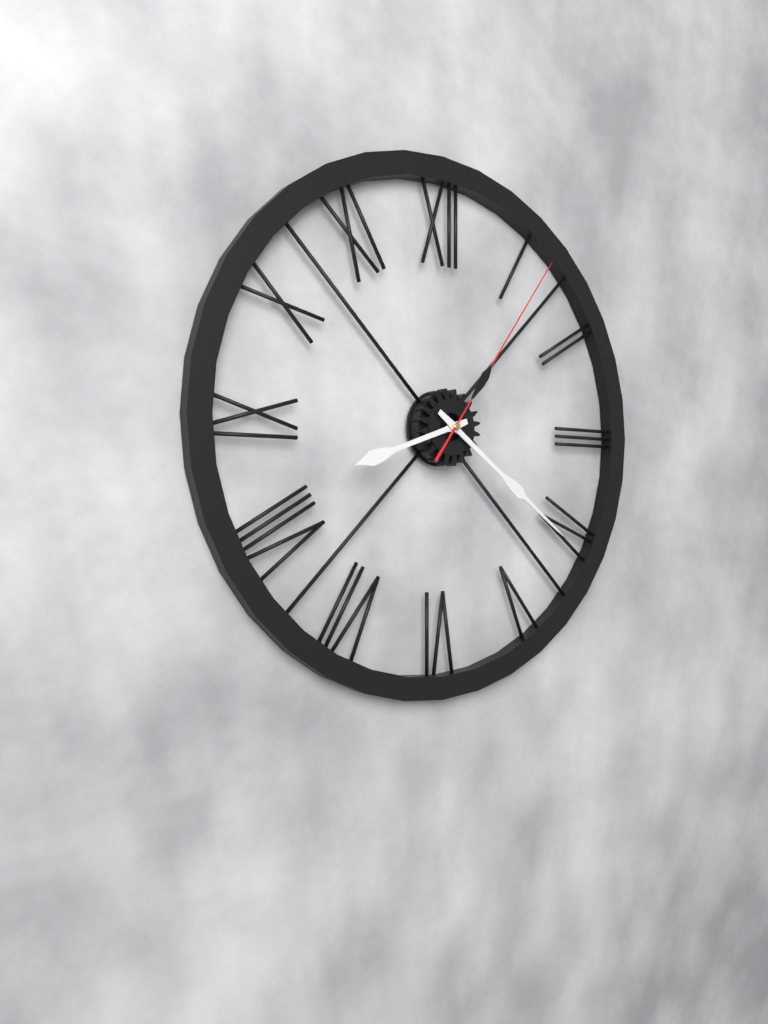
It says h=8 m=21 s=6
